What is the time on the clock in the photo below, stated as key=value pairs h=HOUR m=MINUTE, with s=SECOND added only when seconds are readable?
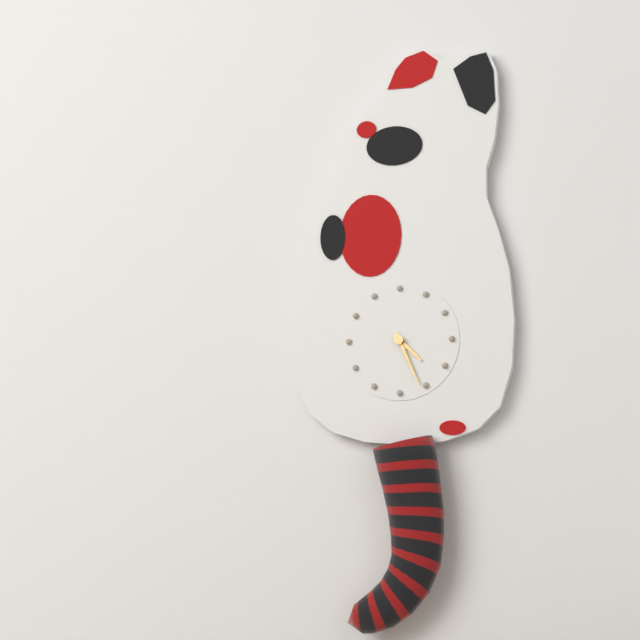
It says h=4 m=26
